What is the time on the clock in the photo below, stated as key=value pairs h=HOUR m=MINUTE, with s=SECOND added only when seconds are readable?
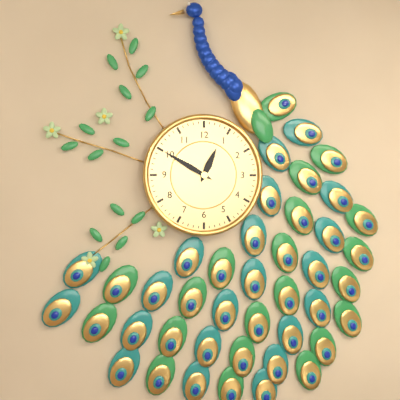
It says h=12 m=50
